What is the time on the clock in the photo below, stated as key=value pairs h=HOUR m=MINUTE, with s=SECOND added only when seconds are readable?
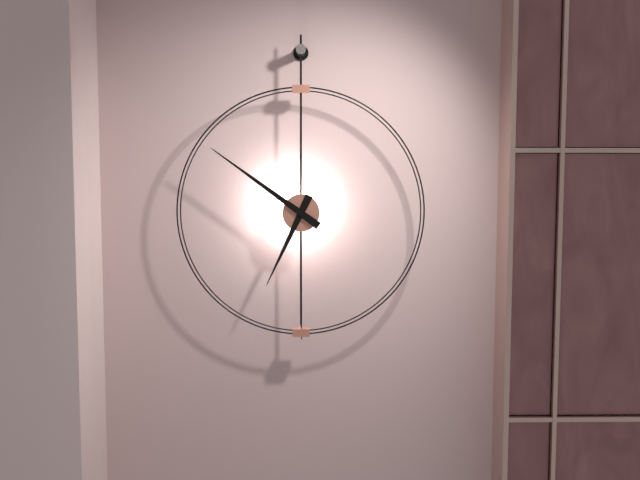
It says h=6 m=51
